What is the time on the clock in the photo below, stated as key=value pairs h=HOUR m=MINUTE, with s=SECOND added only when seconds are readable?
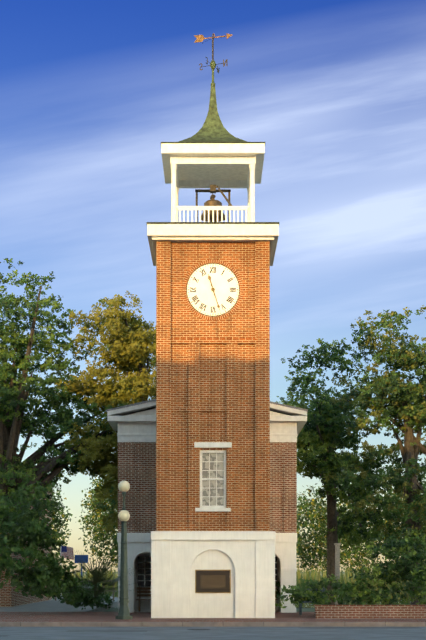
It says h=11 m=27
